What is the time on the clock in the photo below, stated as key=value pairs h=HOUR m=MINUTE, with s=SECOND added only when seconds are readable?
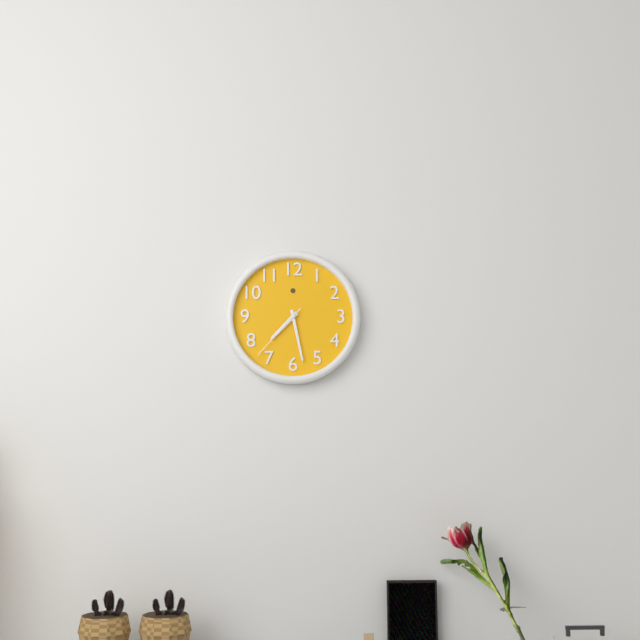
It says h=7 m=28 s=37
